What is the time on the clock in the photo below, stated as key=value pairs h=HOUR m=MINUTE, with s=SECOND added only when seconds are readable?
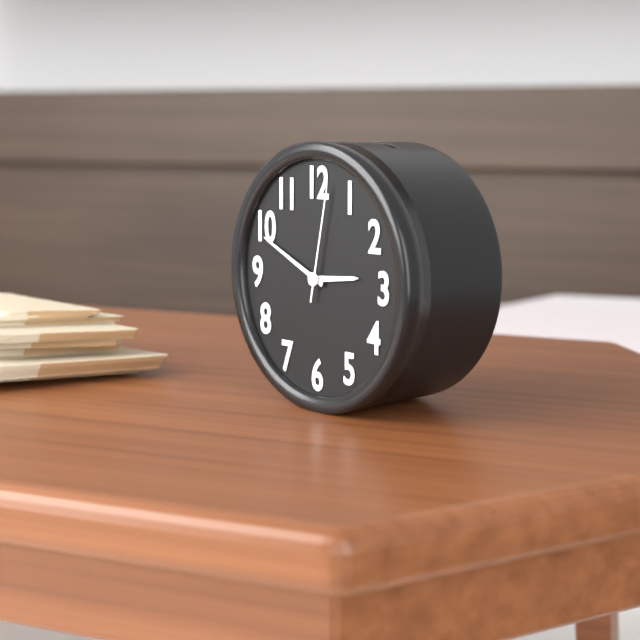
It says h=2 m=49 s=2
